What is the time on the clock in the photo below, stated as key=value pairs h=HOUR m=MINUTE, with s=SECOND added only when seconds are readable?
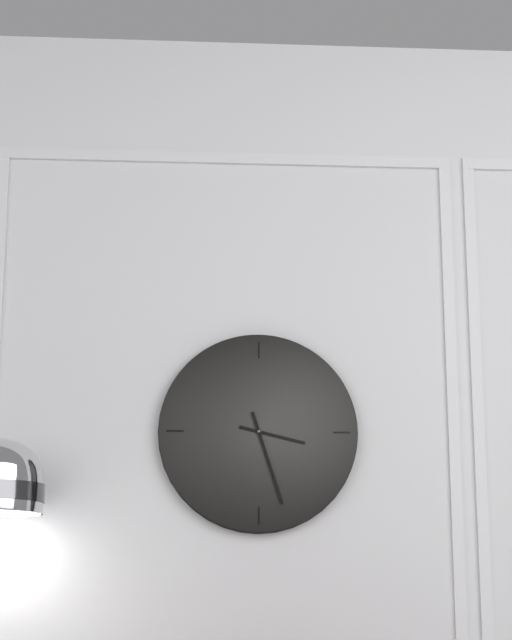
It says h=3 m=27
